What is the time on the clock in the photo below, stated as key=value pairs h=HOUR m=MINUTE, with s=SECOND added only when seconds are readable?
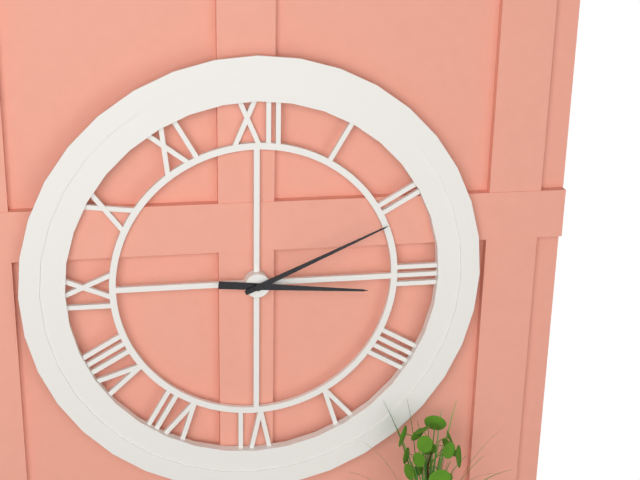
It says h=3 m=11
